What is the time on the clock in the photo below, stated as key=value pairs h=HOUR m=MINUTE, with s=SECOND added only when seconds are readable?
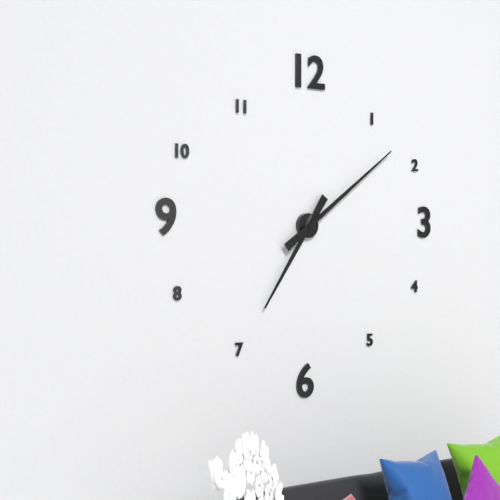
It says h=7 m=9
